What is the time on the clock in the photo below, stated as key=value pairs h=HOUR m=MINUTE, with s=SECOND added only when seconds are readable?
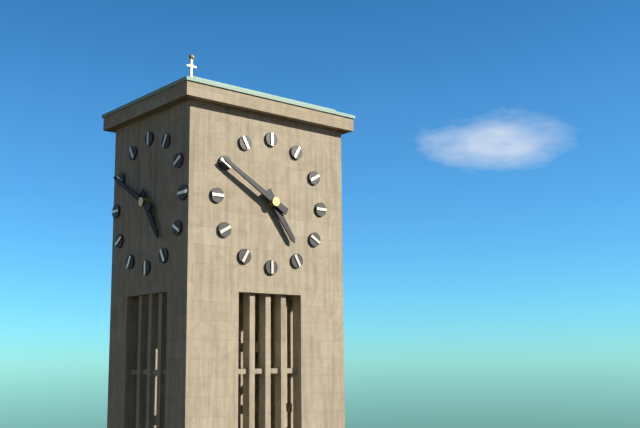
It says h=4 m=50
